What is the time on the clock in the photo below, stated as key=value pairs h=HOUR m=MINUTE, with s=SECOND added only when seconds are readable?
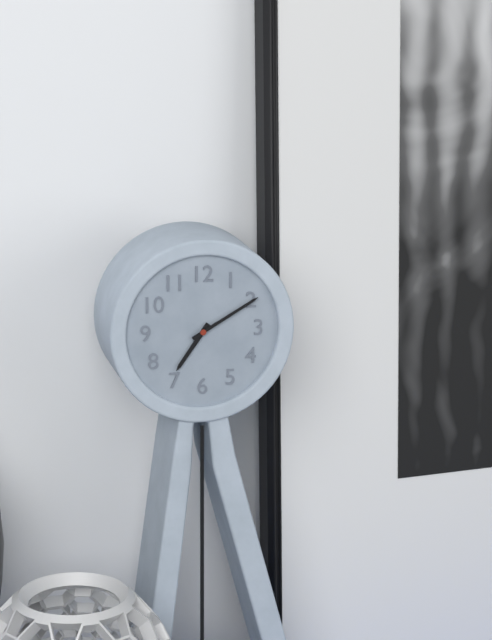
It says h=7 m=10
